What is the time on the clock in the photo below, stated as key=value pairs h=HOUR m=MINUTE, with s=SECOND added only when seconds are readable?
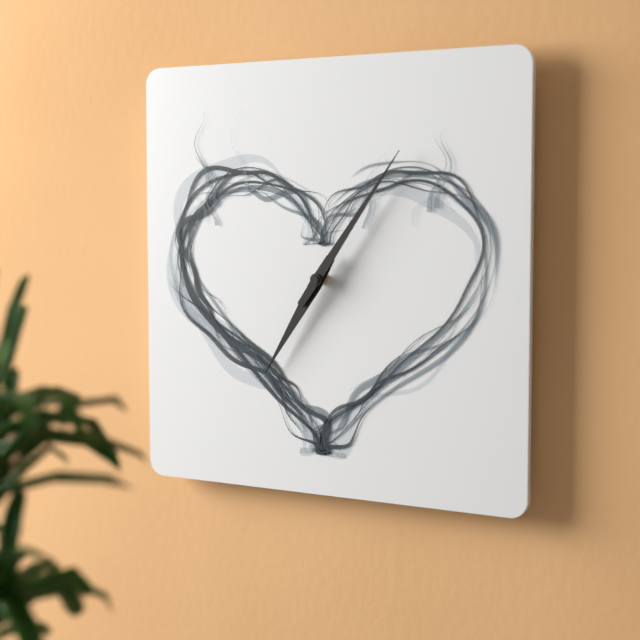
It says h=7 m=6
